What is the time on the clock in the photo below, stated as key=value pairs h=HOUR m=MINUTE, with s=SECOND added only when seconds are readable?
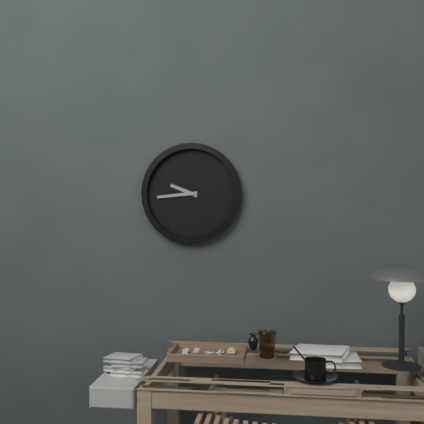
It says h=9 m=44
